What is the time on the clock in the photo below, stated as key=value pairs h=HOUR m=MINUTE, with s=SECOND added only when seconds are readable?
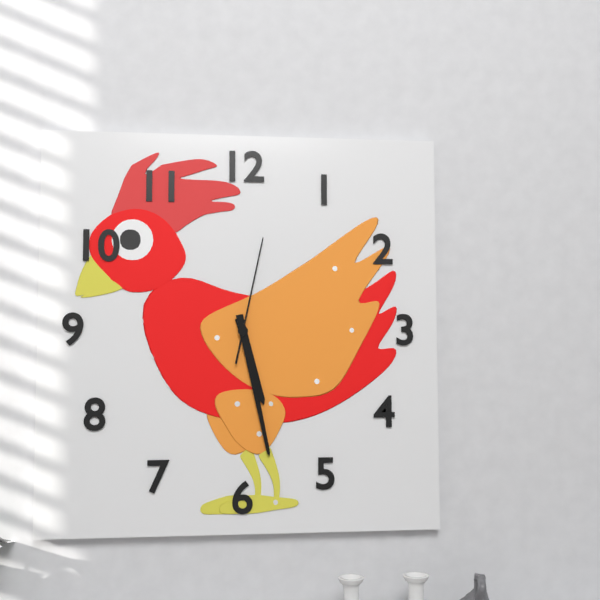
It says h=5 m=28 s=2
